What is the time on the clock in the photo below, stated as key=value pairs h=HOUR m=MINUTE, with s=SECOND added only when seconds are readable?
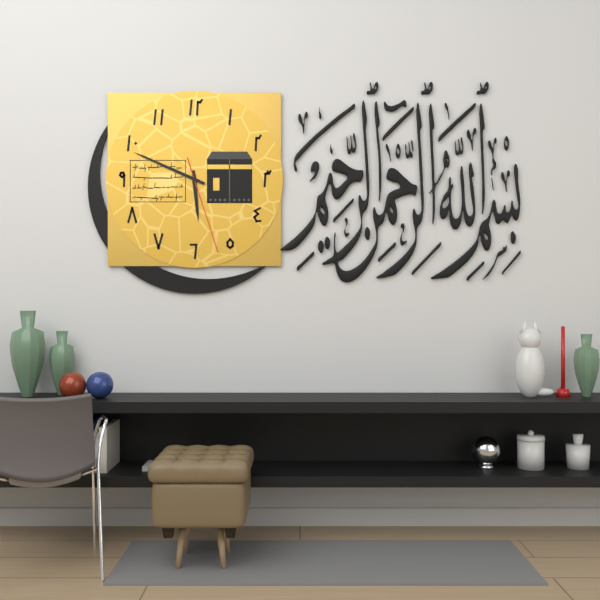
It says h=5 m=49 s=27
